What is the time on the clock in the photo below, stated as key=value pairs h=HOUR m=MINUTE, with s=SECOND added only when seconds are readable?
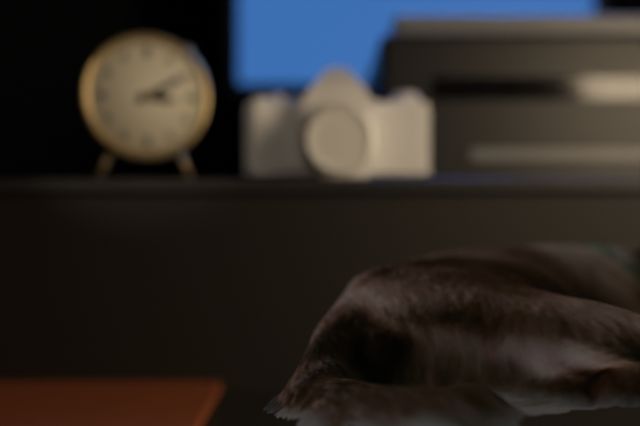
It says h=3 m=10
